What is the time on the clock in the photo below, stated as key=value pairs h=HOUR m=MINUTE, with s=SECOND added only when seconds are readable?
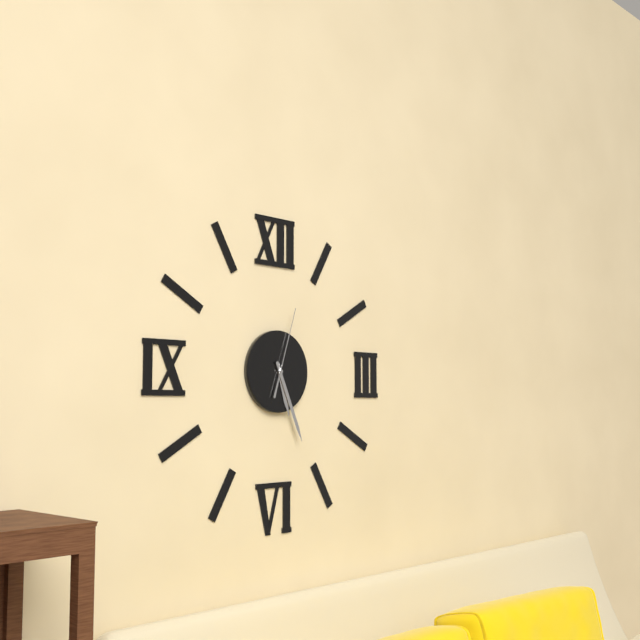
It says h=5 m=26 s=3
